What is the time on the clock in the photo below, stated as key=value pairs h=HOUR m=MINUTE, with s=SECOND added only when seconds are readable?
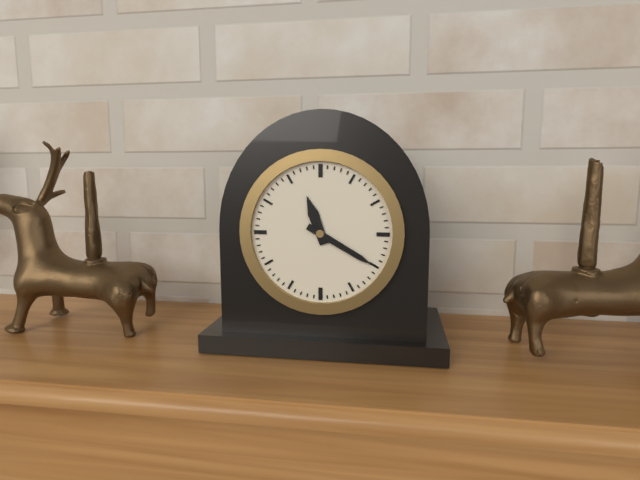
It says h=11 m=20
